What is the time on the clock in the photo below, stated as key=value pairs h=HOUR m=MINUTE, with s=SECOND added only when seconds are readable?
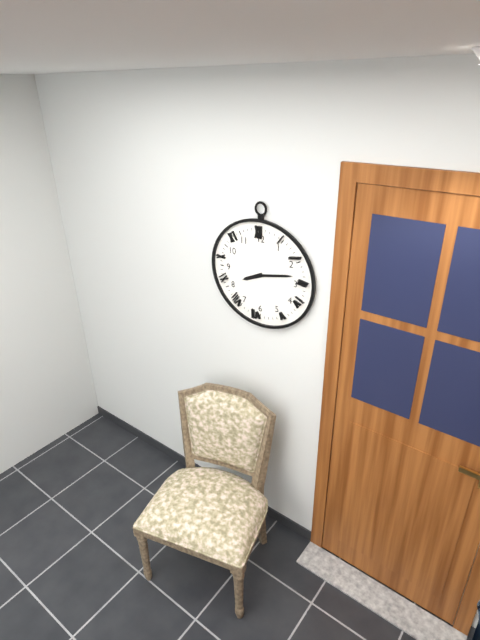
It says h=8 m=13
